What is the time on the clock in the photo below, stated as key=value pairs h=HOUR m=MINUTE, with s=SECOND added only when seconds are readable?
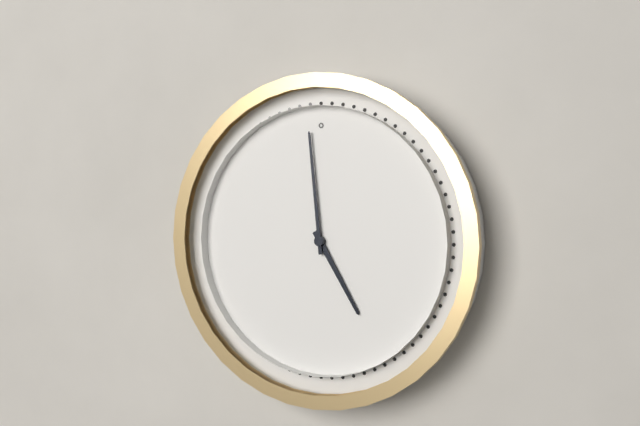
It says h=4 m=59
